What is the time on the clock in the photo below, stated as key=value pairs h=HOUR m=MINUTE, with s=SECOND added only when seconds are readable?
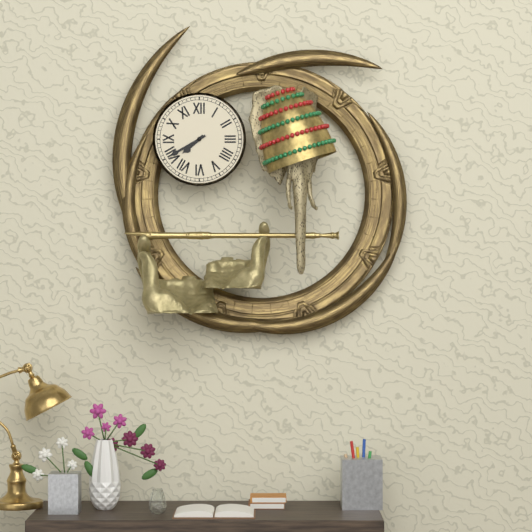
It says h=7 m=40
